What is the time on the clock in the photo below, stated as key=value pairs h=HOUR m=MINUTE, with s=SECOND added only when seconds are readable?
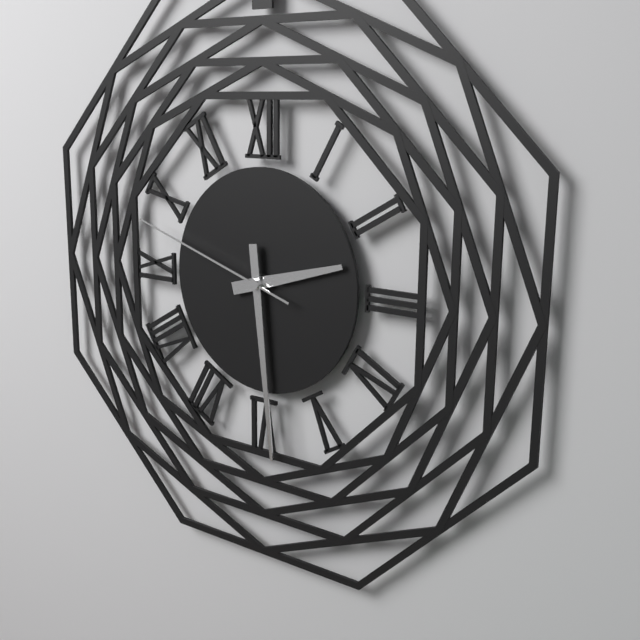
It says h=2 m=29 s=48
